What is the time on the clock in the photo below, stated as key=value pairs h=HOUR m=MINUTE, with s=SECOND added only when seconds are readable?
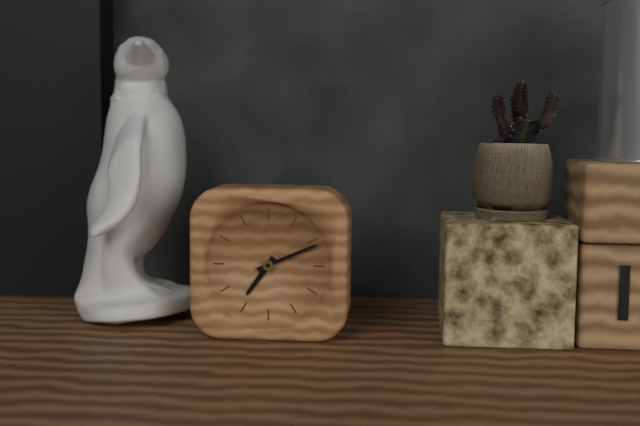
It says h=7 m=11
